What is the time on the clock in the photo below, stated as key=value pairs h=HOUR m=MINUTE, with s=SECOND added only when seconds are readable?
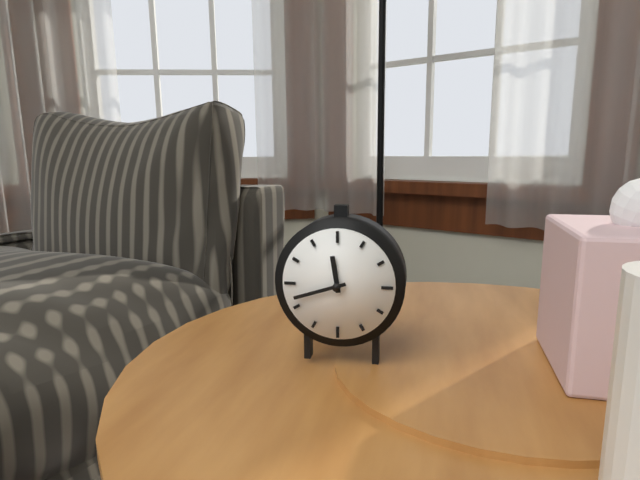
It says h=11 m=42
